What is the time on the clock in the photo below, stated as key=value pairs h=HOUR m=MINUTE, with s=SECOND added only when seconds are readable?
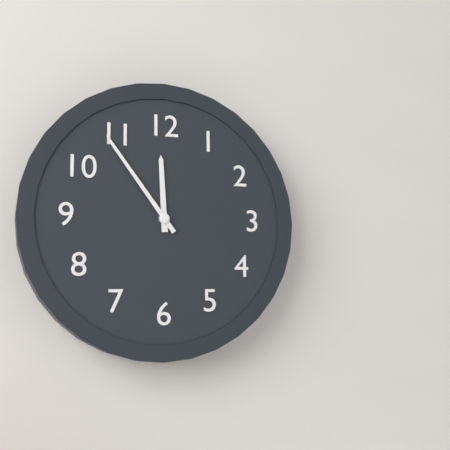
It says h=11 m=54
